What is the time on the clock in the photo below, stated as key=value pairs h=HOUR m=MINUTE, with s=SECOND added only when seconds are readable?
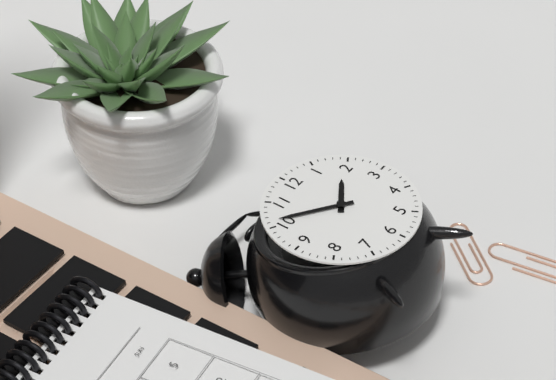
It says h=1 m=51
